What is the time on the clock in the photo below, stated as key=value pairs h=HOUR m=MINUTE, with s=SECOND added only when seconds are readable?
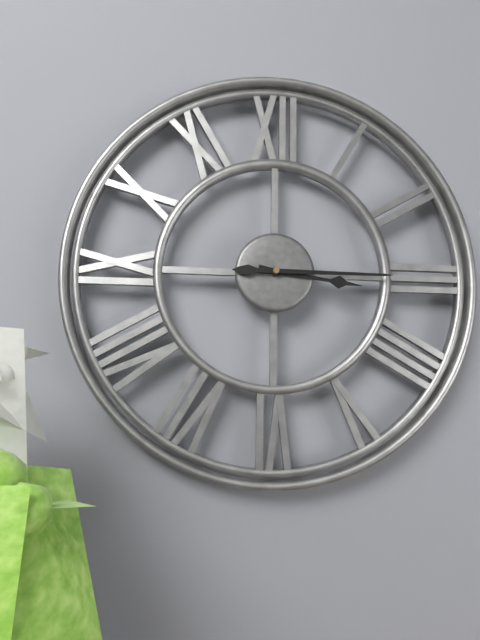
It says h=3 m=15
